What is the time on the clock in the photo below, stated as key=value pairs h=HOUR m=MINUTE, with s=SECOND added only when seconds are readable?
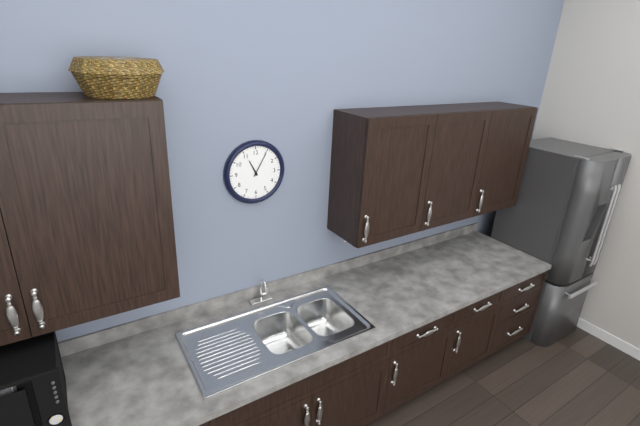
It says h=11 m=5
